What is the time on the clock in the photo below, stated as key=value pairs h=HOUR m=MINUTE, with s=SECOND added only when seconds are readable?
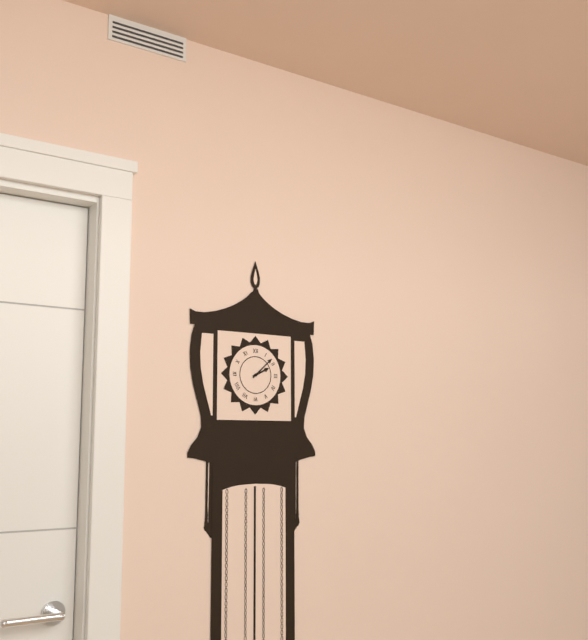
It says h=2 m=8
